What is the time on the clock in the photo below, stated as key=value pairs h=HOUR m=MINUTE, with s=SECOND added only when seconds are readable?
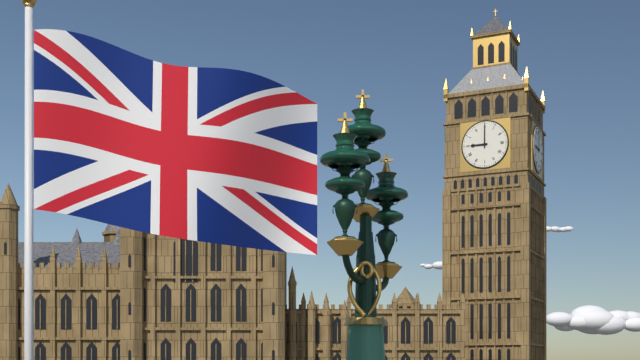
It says h=9 m=0
